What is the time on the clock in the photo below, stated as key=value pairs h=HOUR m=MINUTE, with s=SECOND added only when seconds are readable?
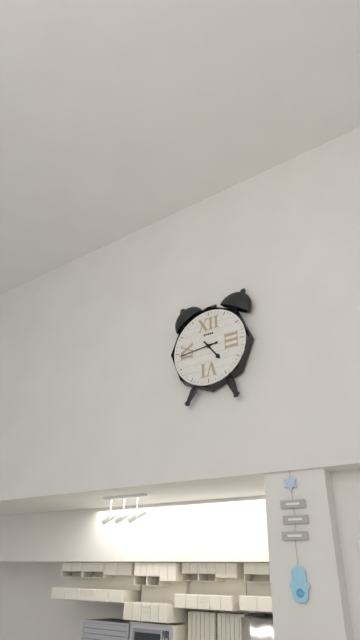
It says h=4 m=44
